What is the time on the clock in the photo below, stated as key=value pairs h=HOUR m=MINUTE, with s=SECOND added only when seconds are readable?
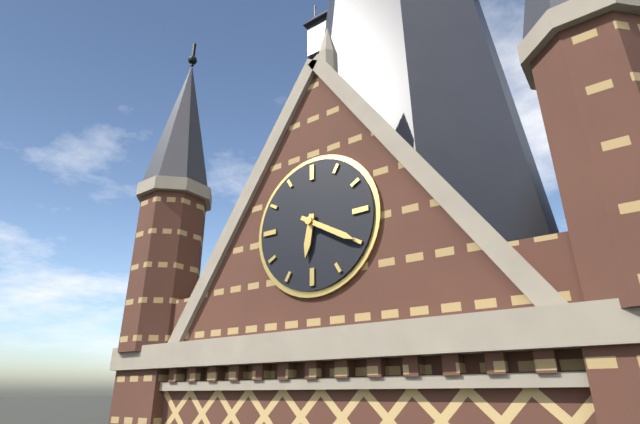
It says h=6 m=20
